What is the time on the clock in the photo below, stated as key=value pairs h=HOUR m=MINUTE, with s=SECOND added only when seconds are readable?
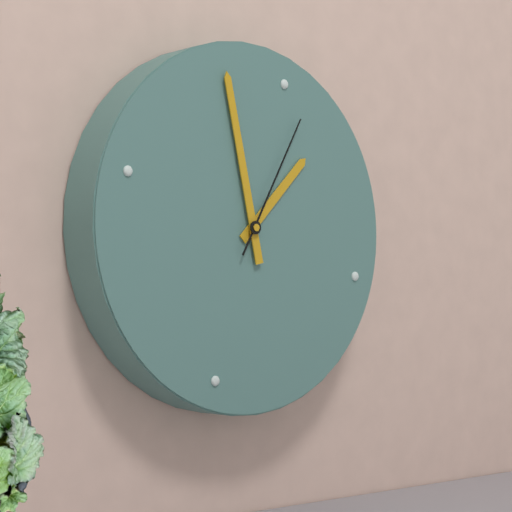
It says h=12 m=55 s=2
